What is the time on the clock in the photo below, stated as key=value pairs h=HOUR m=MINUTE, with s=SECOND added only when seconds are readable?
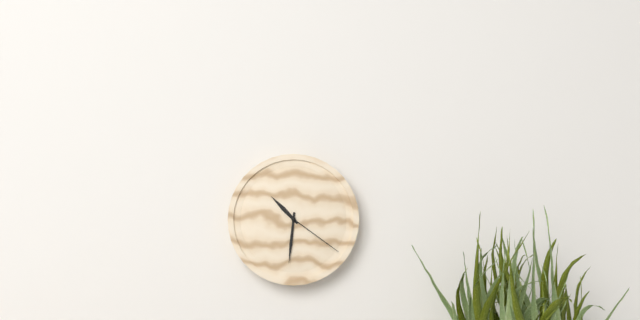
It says h=10 m=31 s=21
